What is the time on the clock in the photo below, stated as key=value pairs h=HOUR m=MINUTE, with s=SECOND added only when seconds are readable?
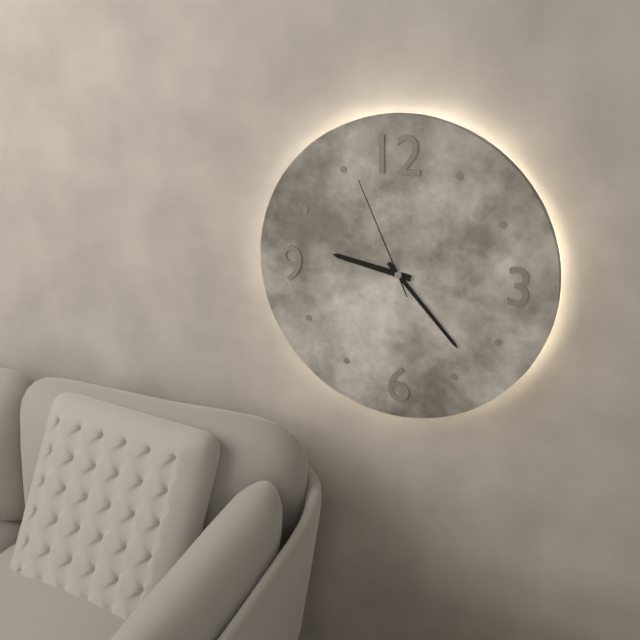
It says h=9 m=23 s=56
